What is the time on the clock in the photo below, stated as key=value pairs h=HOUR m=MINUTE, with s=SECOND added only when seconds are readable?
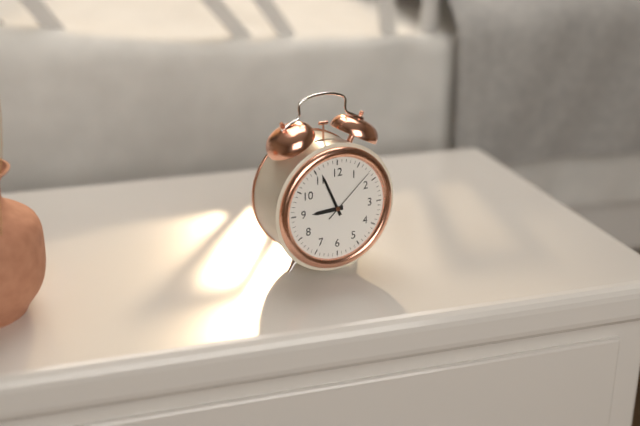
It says h=8 m=56 s=8
